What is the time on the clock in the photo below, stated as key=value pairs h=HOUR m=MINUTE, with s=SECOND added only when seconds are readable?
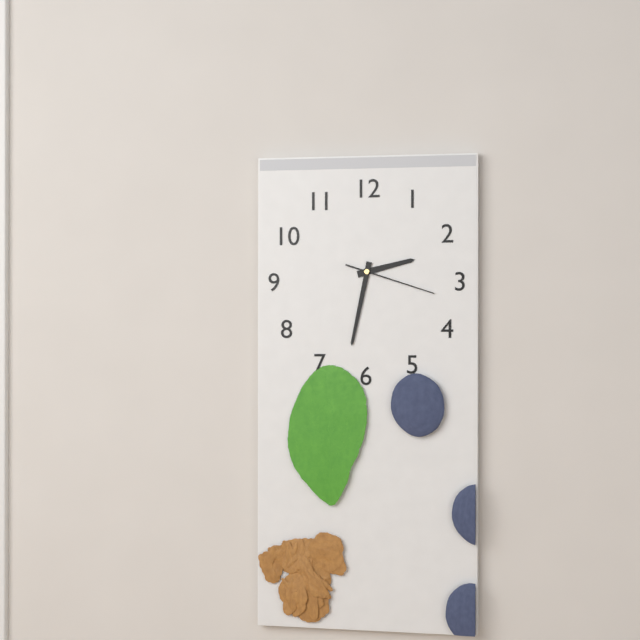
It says h=2 m=32 s=18
